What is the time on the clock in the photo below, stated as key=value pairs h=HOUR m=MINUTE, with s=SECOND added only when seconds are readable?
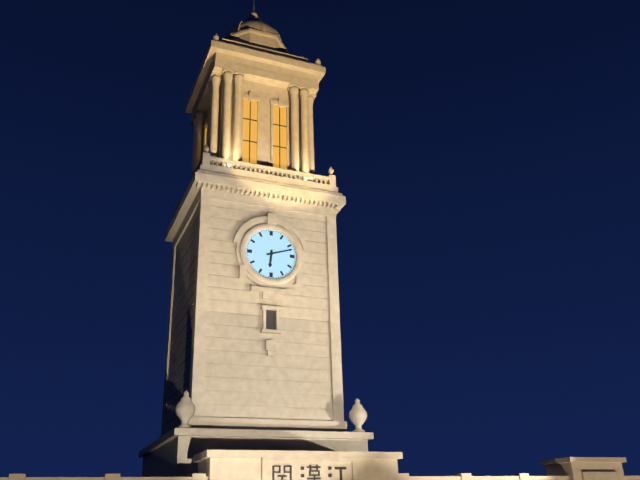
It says h=6 m=12
